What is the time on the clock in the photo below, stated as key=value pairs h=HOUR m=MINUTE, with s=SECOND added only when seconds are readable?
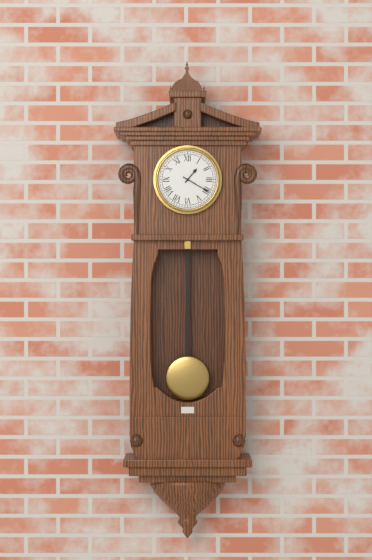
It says h=1 m=20
